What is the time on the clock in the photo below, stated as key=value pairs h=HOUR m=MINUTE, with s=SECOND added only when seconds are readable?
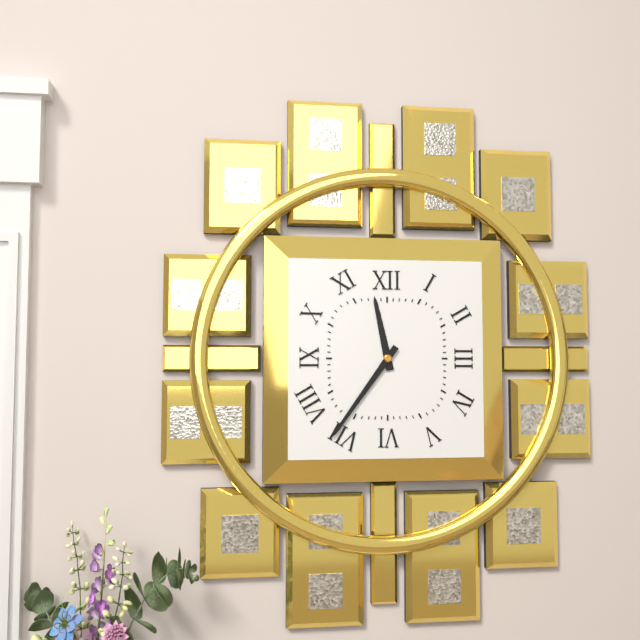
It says h=11 m=36
